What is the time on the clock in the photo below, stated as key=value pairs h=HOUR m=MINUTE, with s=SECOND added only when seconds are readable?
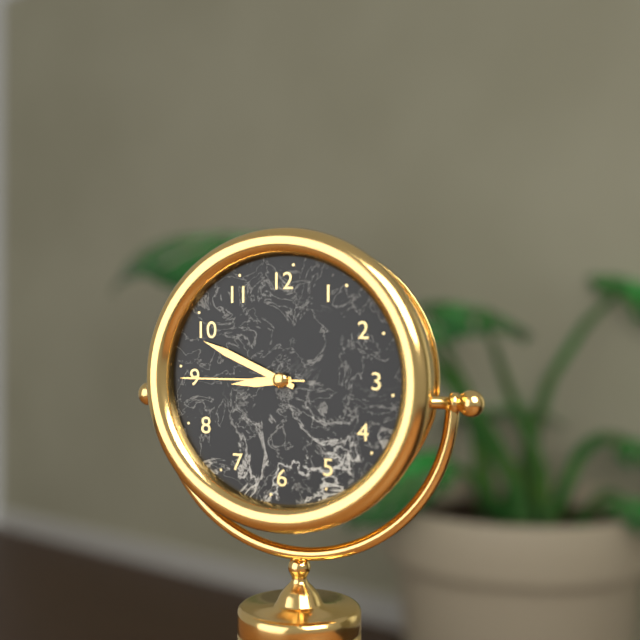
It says h=8 m=49 s=45
